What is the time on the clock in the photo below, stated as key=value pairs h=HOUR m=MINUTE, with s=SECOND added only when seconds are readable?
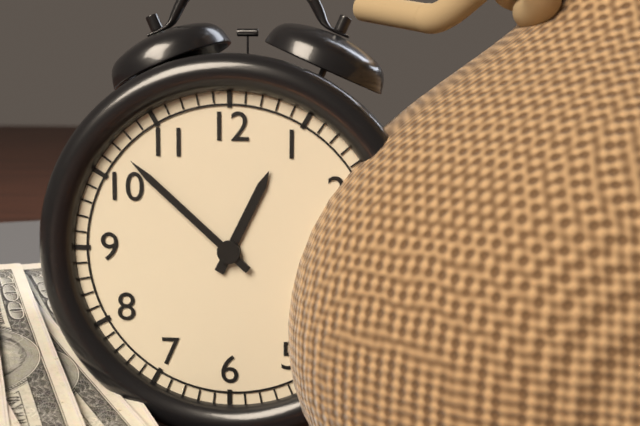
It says h=12 m=52
